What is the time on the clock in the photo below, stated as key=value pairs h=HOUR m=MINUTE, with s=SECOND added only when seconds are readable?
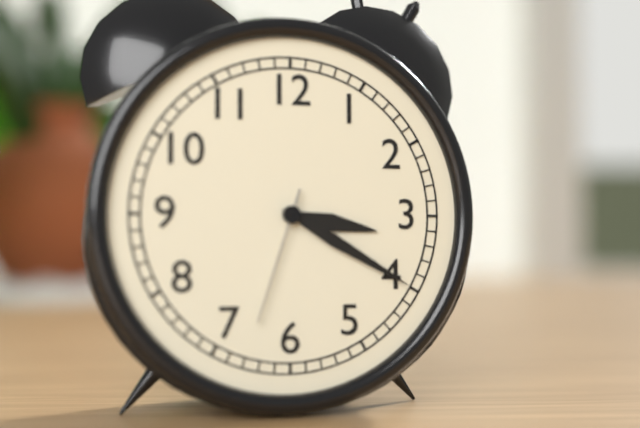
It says h=3 m=20 s=33
